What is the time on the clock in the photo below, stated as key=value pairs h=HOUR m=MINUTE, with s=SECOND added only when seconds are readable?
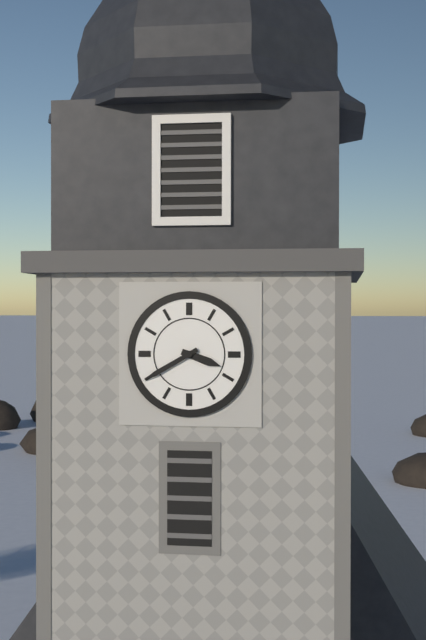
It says h=3 m=40
